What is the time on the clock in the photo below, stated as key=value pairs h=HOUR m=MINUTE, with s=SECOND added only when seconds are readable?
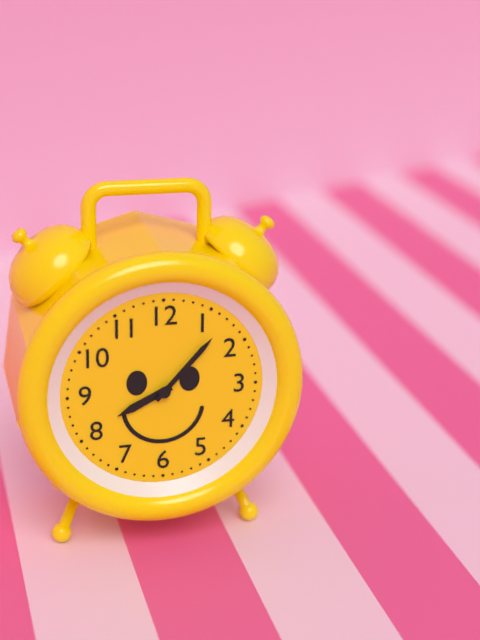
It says h=8 m=7
